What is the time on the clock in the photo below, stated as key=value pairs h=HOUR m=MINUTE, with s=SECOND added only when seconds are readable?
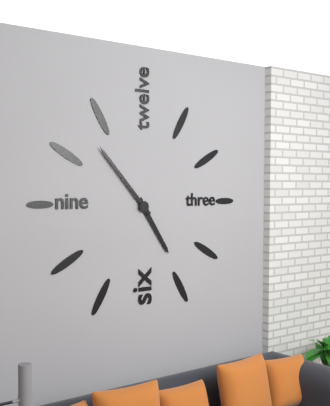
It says h=4 m=53
